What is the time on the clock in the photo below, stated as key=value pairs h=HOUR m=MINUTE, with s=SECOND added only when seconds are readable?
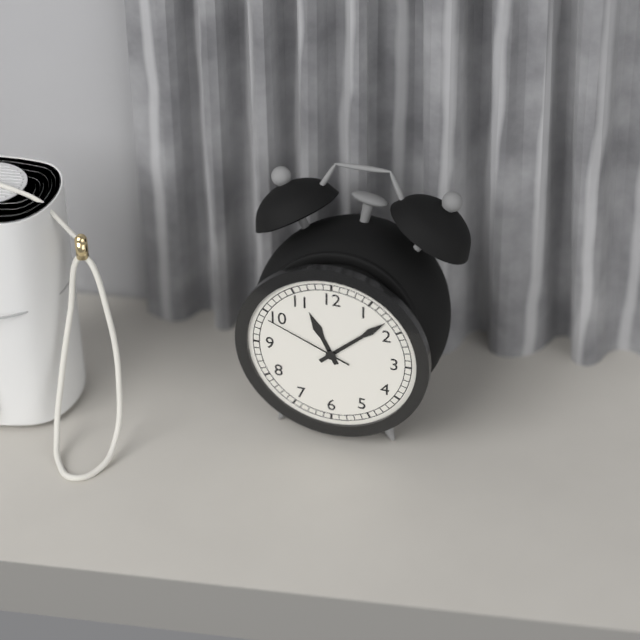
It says h=11 m=8 s=49
